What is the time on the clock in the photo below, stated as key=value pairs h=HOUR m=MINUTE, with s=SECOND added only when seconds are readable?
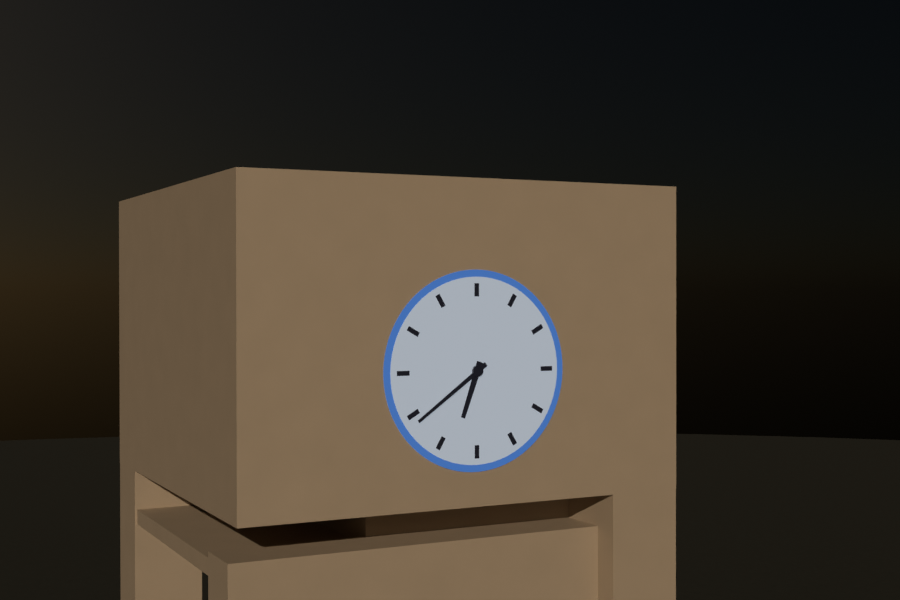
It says h=6 m=39
